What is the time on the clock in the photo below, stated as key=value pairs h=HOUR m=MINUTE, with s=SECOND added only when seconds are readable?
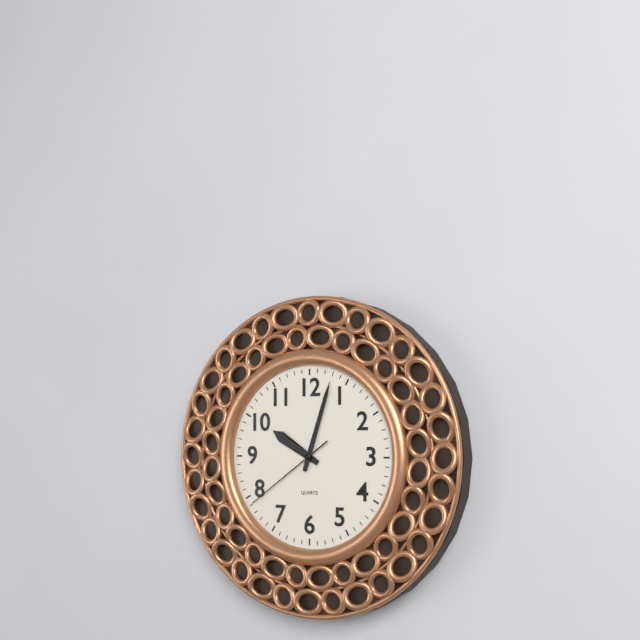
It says h=10 m=3 s=39
